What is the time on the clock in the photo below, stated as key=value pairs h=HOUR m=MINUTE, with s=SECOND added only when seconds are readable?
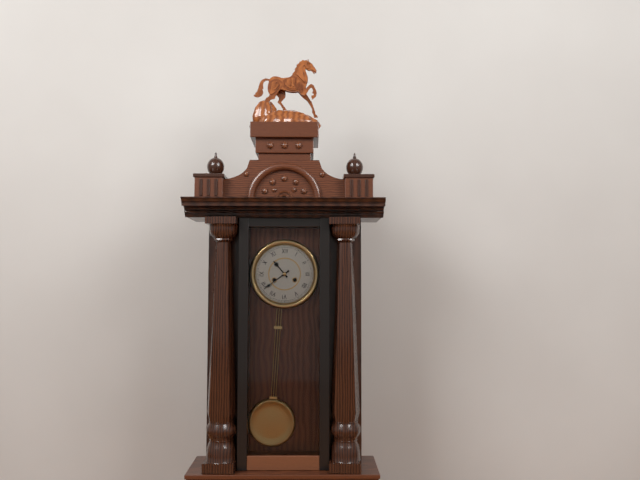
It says h=10 m=39
